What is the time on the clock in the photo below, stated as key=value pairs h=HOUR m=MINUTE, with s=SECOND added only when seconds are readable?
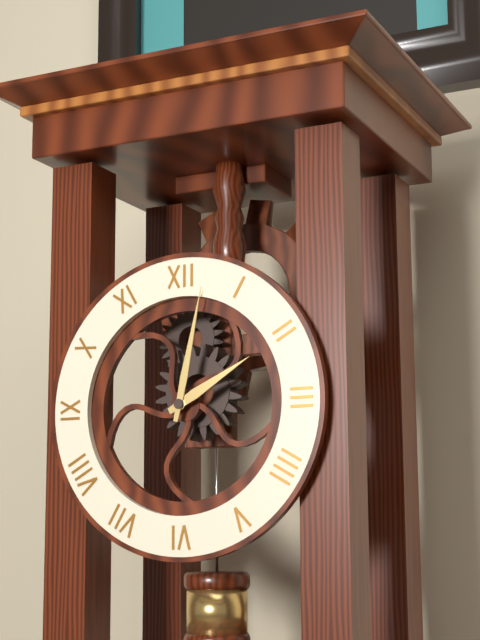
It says h=2 m=2
